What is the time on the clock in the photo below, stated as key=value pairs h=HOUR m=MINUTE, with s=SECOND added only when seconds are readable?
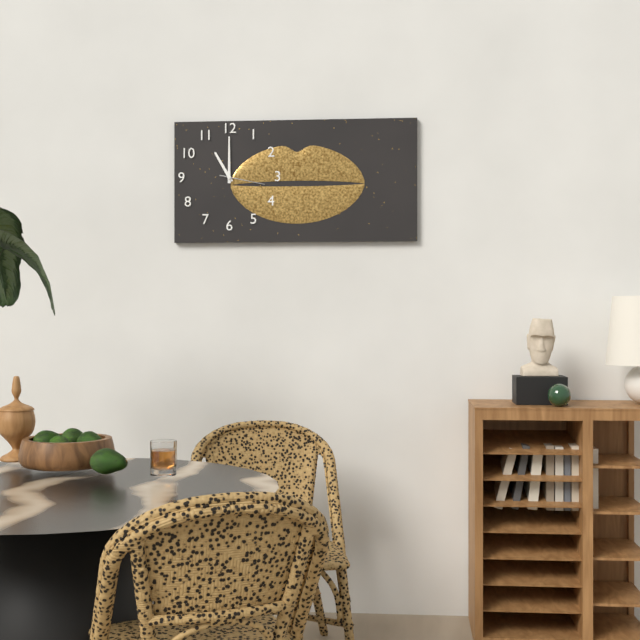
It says h=11 m=0
